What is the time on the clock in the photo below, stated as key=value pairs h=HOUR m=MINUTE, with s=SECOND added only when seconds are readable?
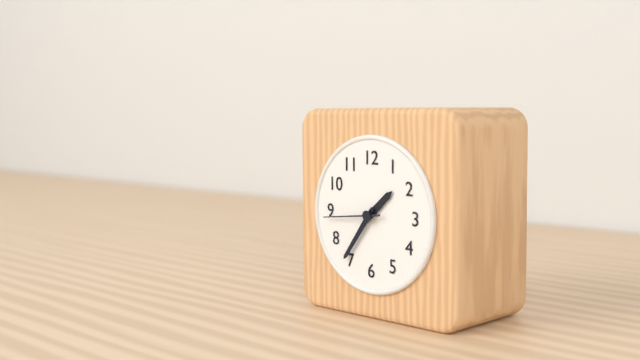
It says h=1 m=36 s=44
